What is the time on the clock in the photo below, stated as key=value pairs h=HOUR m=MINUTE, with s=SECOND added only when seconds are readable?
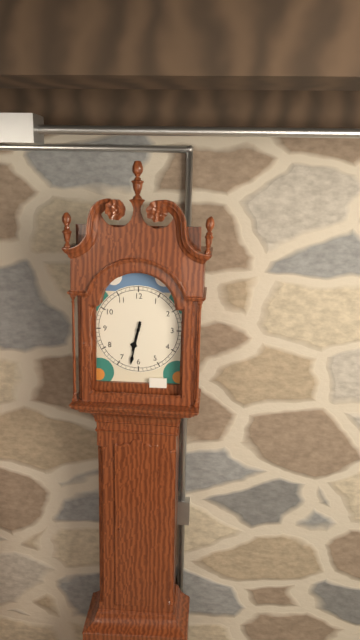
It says h=6 m=32
